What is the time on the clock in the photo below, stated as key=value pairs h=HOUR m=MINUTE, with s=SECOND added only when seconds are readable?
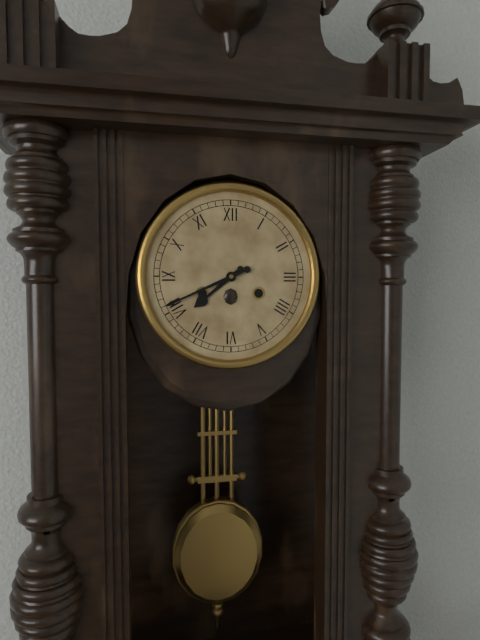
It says h=7 m=41
